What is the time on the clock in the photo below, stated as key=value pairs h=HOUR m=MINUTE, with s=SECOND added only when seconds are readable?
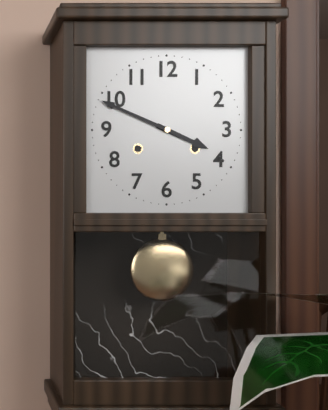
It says h=3 m=49
